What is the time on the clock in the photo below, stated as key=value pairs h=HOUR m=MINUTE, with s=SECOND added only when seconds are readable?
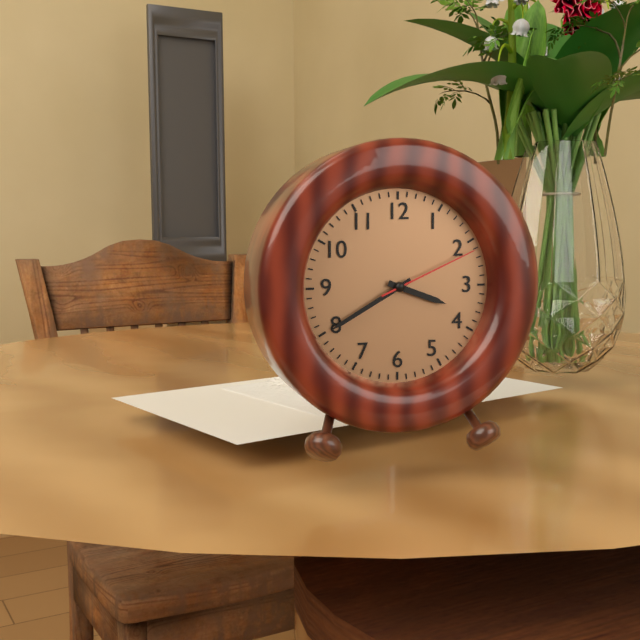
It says h=3 m=40 s=11
